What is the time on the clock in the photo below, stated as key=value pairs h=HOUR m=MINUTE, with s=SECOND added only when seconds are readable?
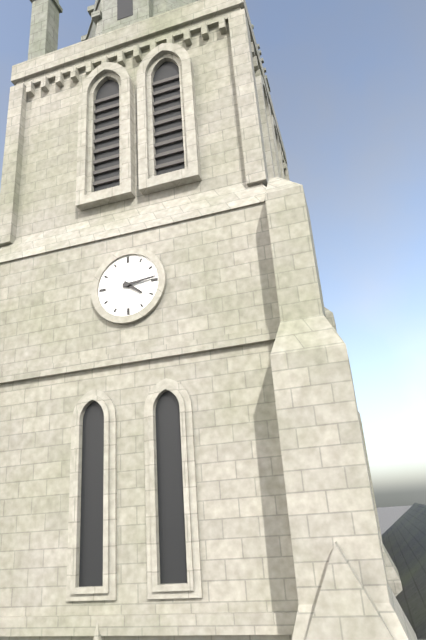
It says h=4 m=14
